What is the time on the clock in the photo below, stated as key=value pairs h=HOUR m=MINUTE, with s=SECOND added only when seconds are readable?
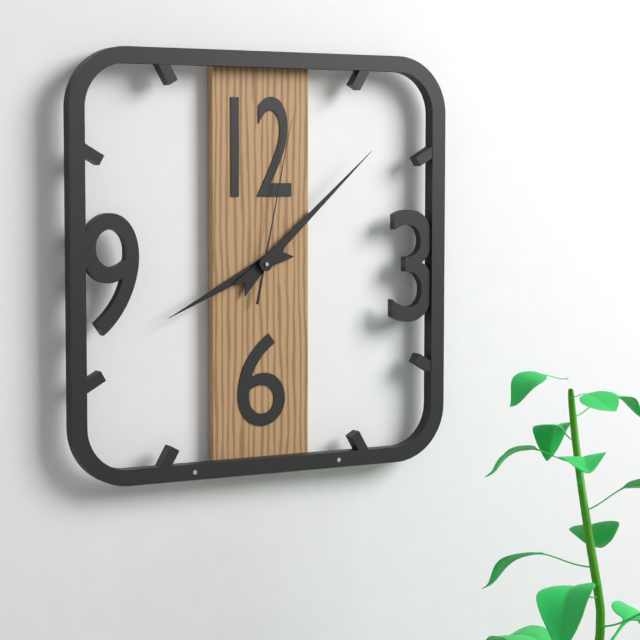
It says h=8 m=8 s=2
